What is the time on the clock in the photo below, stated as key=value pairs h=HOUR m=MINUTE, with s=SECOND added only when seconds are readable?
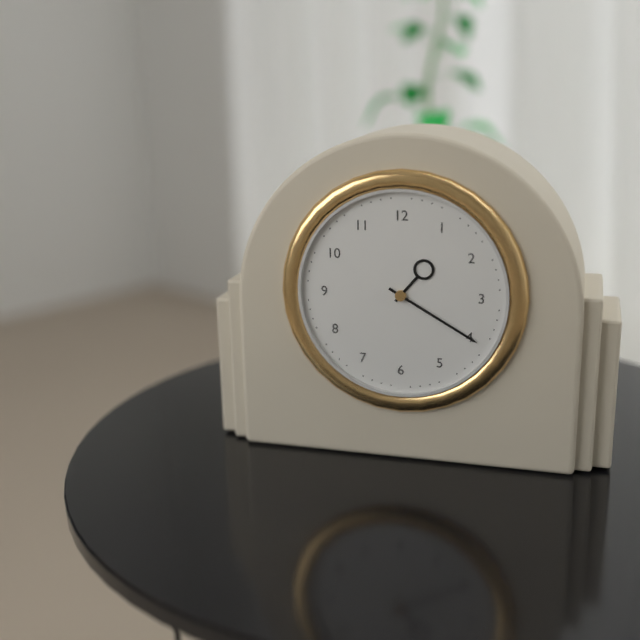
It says h=1 m=20
